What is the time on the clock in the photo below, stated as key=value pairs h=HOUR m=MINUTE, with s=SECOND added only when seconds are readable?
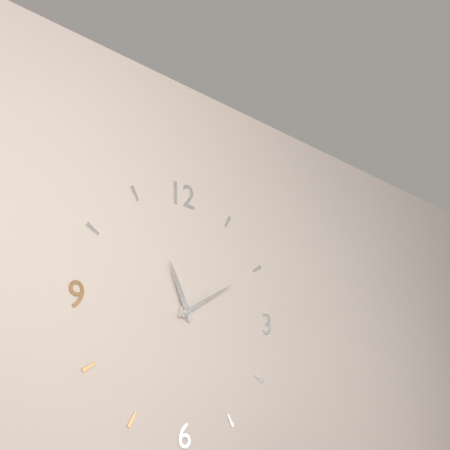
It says h=11 m=10
